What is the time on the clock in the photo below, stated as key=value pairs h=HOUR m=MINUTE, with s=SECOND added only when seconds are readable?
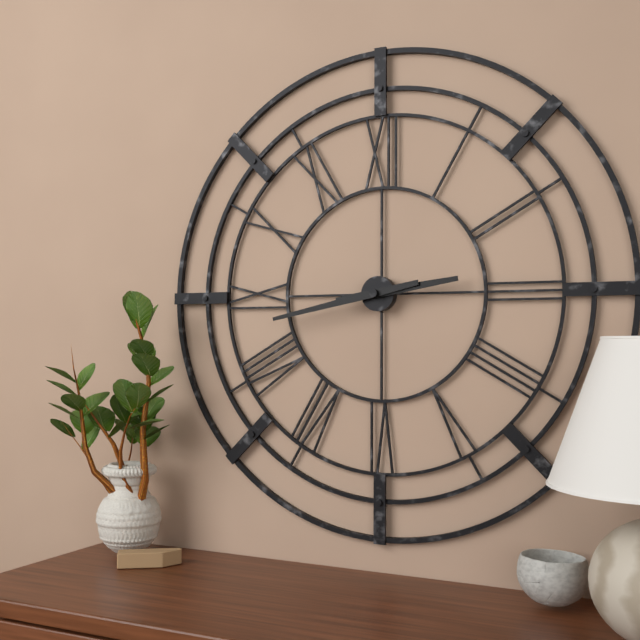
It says h=2 m=43
